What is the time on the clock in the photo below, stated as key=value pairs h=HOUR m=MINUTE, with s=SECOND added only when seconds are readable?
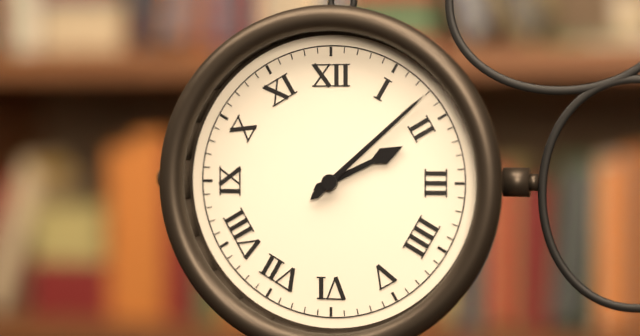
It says h=2 m=8
